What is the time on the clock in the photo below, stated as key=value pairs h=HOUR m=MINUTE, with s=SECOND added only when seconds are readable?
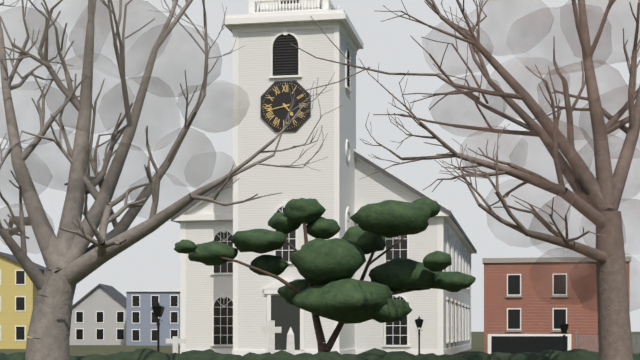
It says h=4 m=43
